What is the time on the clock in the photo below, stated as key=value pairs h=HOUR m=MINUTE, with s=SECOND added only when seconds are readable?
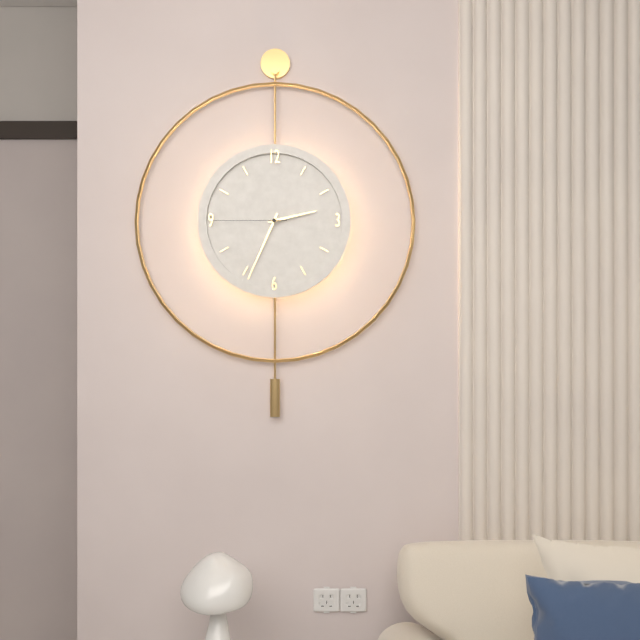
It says h=2 m=34 s=45
